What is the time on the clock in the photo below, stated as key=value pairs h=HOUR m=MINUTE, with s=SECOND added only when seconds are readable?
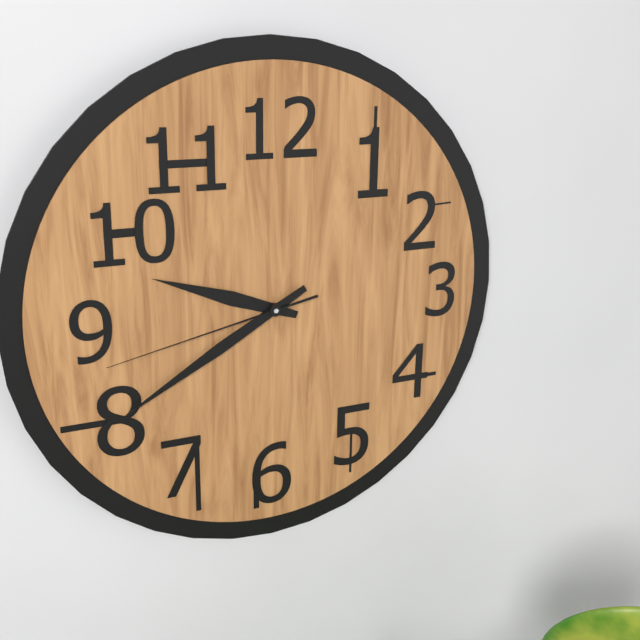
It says h=9 m=40 s=43
